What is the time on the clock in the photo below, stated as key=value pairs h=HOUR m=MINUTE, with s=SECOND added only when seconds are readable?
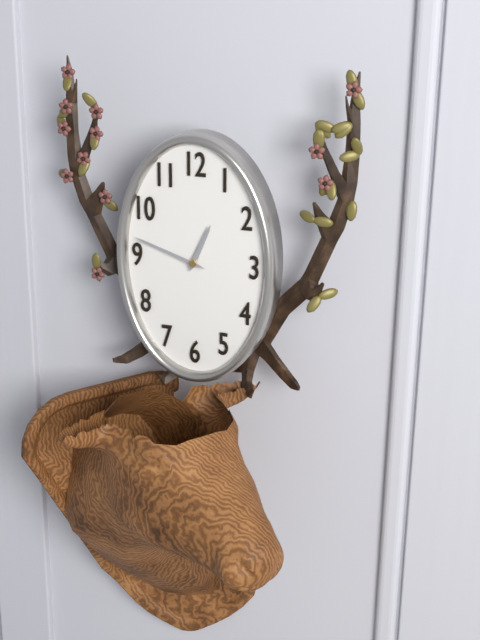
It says h=12 m=48
